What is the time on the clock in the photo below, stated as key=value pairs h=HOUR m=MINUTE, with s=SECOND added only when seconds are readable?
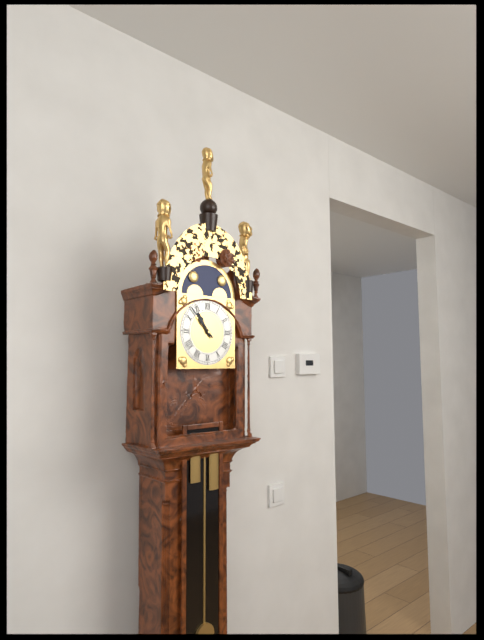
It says h=10 m=53
